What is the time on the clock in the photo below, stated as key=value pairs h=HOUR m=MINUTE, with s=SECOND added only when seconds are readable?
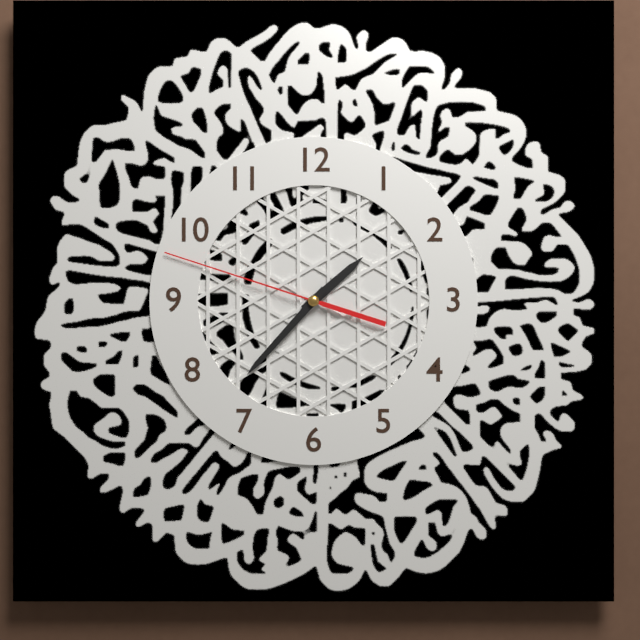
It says h=1 m=37 s=48
